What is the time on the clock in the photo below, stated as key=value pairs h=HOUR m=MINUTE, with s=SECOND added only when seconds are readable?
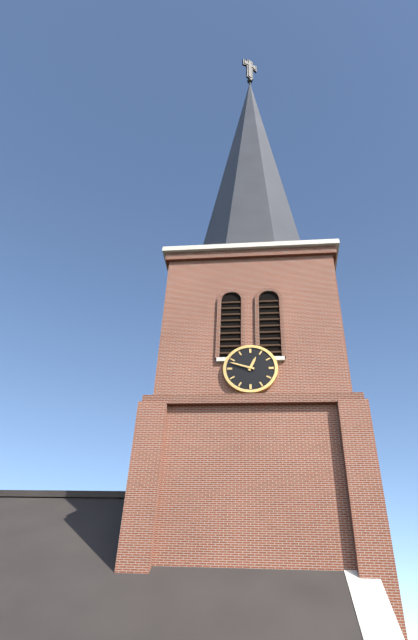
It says h=12 m=48
